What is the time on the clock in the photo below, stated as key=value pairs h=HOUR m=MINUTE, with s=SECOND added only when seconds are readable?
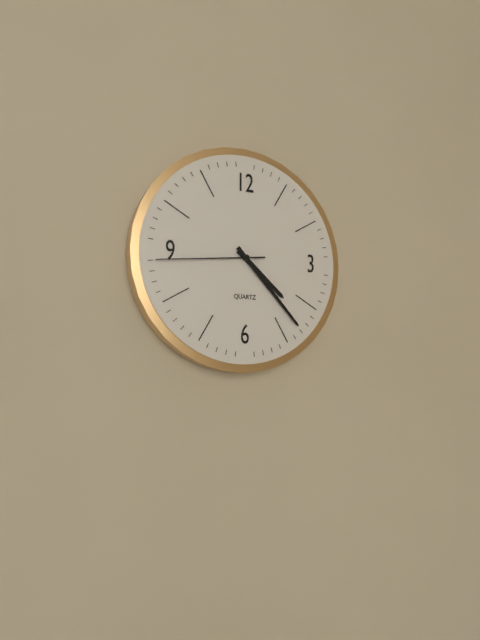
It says h=4 m=23 s=44
